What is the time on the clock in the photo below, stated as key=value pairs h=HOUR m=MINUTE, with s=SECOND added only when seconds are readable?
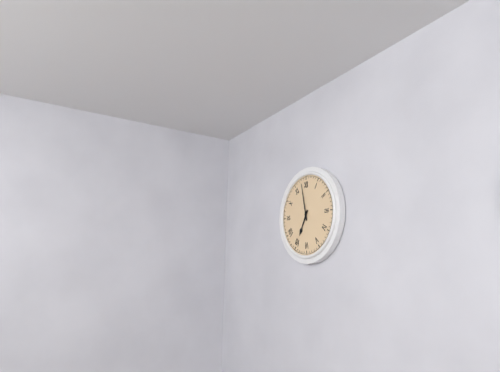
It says h=6 m=58
